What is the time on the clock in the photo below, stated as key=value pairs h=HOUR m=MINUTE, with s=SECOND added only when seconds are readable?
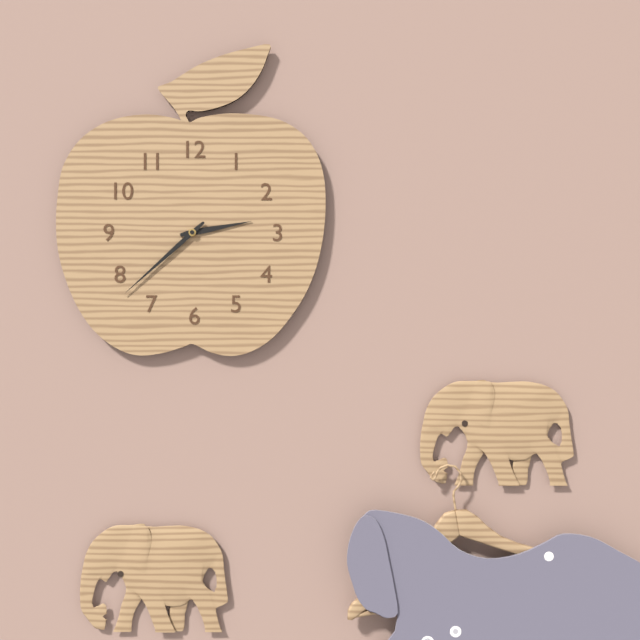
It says h=2 m=38
